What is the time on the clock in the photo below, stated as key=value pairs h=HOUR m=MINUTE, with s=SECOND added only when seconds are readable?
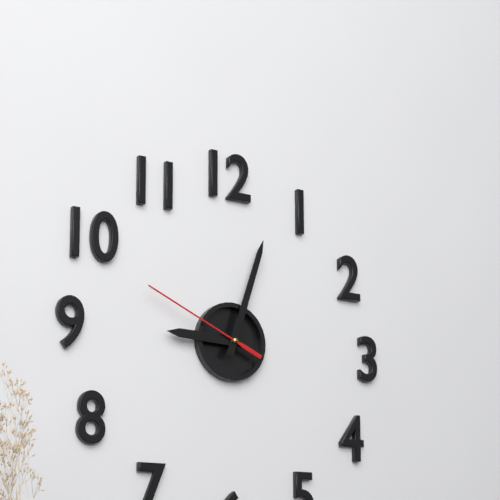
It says h=9 m=3 s=49
